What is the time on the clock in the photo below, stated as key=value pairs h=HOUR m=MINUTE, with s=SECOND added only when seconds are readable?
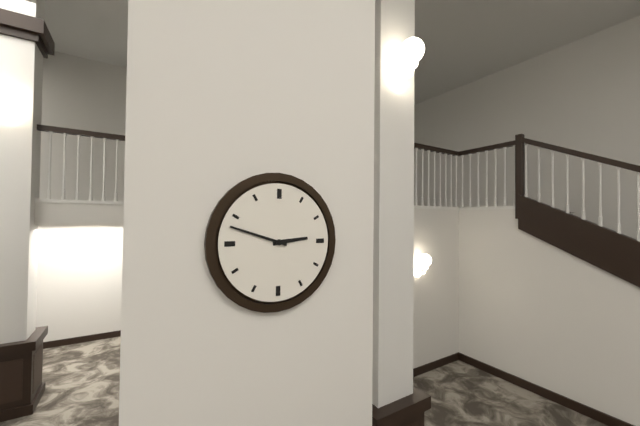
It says h=2 m=48
